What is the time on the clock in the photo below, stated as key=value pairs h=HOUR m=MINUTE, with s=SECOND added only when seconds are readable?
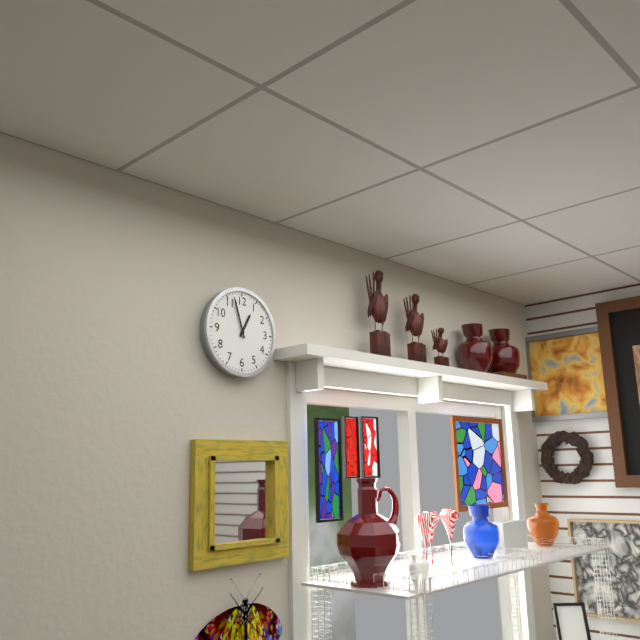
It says h=12 m=57
